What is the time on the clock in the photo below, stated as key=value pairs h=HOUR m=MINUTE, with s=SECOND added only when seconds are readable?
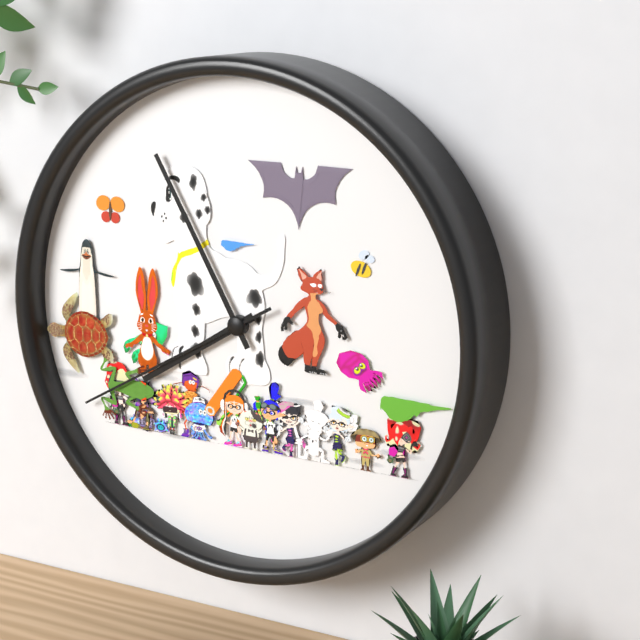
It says h=7 m=55 s=40
